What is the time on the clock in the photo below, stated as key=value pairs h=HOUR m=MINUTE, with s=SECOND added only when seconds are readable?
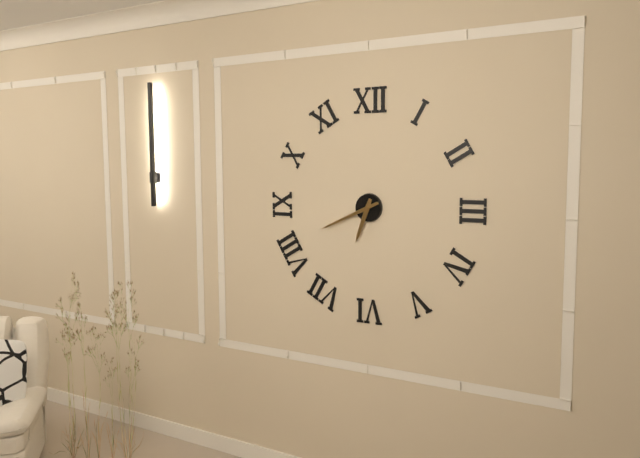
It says h=6 m=41
